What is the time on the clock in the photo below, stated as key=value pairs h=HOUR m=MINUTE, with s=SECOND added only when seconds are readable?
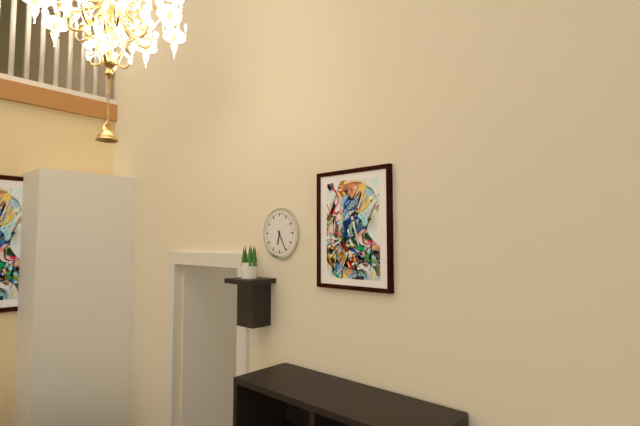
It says h=6 m=25
